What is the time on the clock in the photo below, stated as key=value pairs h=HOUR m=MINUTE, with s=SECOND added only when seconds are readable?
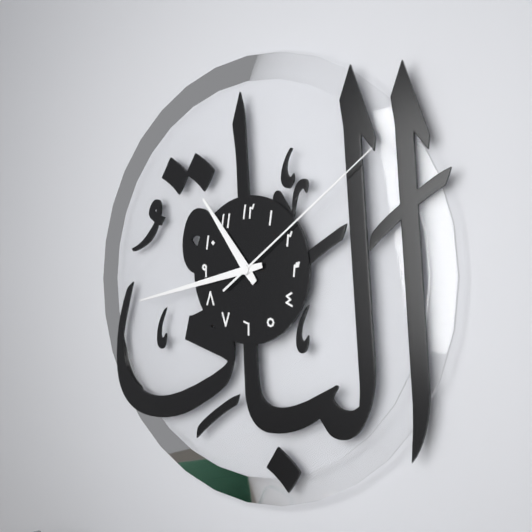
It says h=10 m=43 s=9
